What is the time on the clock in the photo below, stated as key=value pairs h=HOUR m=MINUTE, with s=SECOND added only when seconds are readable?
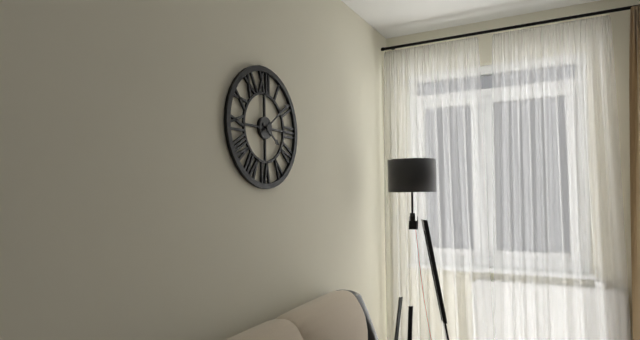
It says h=4 m=9
